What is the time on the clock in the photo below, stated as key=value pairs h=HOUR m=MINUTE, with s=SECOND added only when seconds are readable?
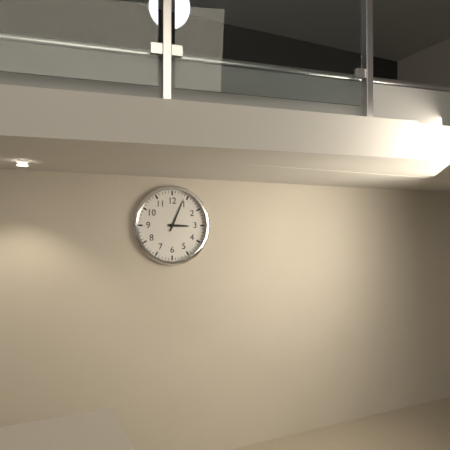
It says h=3 m=4
